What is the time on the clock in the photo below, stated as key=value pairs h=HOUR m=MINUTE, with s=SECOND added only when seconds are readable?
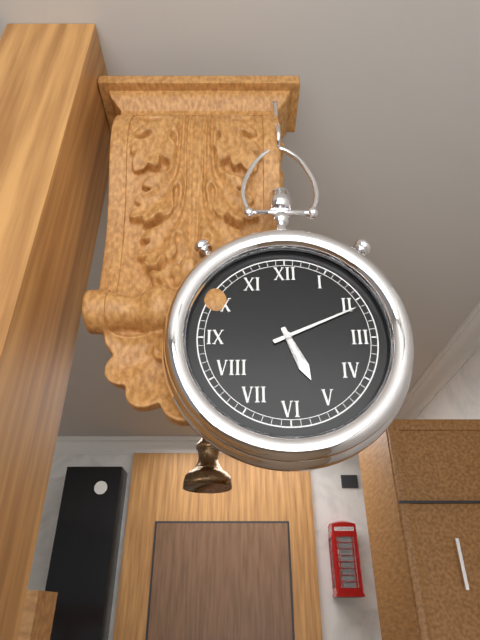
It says h=5 m=11
